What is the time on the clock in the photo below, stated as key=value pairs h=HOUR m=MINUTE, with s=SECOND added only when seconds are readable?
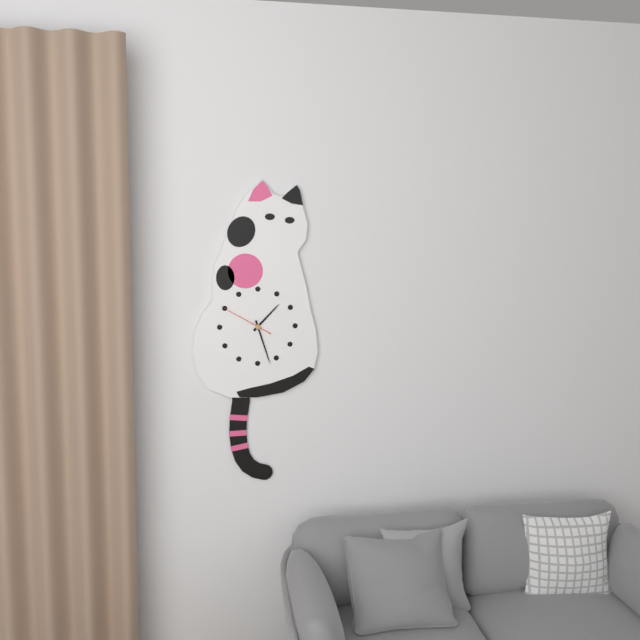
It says h=1 m=27
